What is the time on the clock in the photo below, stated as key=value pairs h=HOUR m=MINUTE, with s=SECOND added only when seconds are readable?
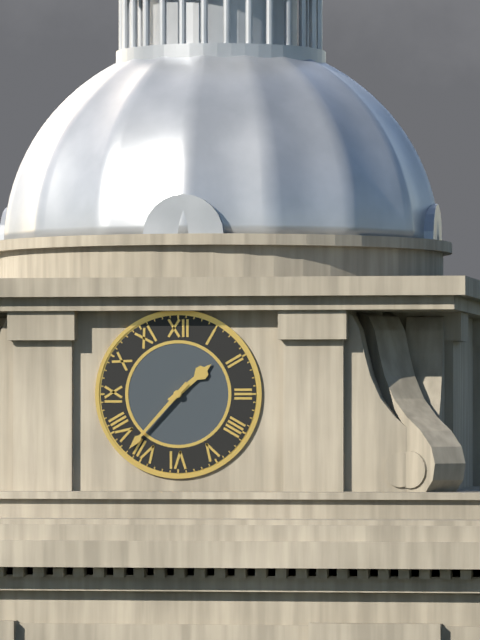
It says h=1 m=37
